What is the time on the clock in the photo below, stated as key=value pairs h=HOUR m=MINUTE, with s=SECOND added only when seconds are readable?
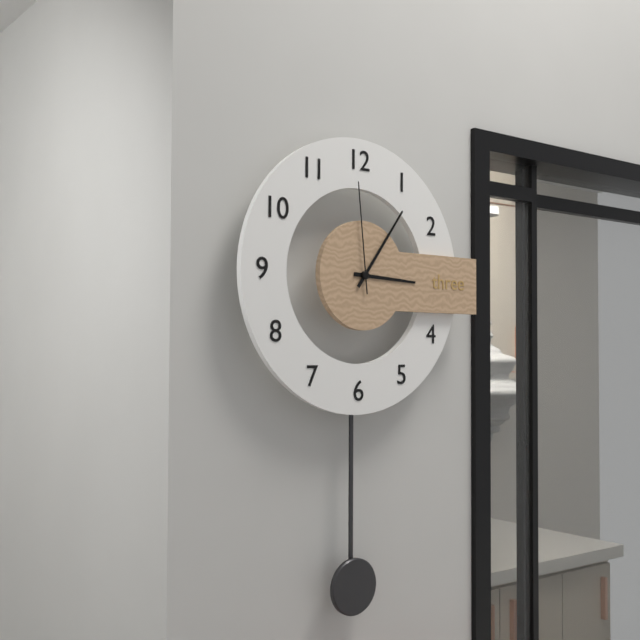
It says h=3 m=6 s=59
